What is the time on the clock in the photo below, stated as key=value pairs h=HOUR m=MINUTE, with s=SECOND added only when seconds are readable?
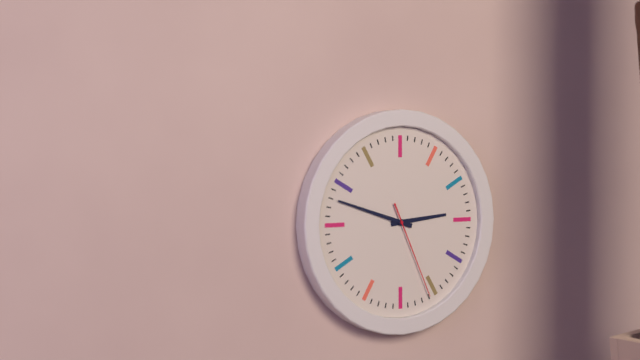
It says h=2 m=48 s=26
